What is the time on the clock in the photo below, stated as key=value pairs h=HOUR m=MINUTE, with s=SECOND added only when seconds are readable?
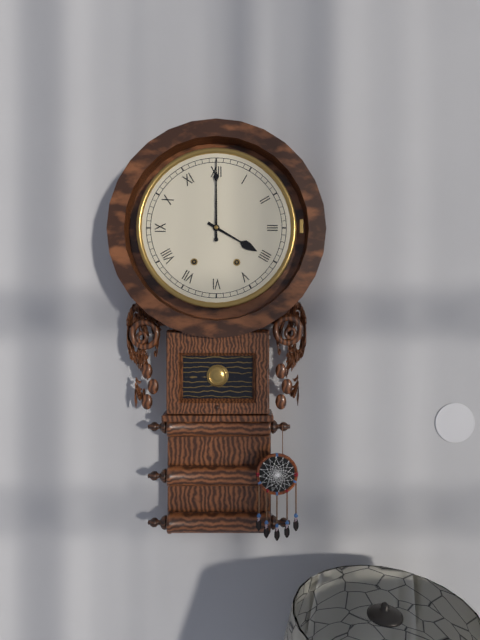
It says h=4 m=0
